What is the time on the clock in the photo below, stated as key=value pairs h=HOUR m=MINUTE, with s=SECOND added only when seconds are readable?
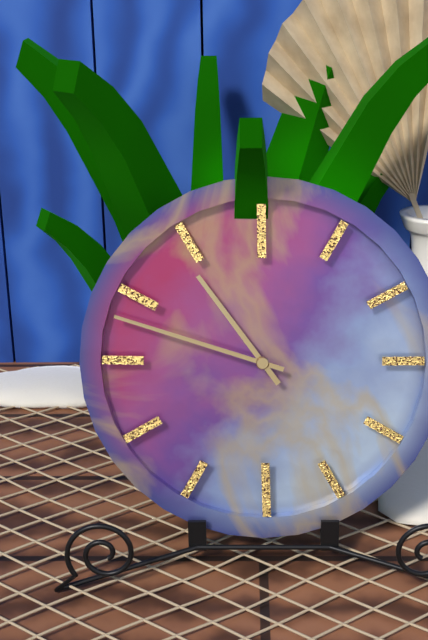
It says h=10 m=48
